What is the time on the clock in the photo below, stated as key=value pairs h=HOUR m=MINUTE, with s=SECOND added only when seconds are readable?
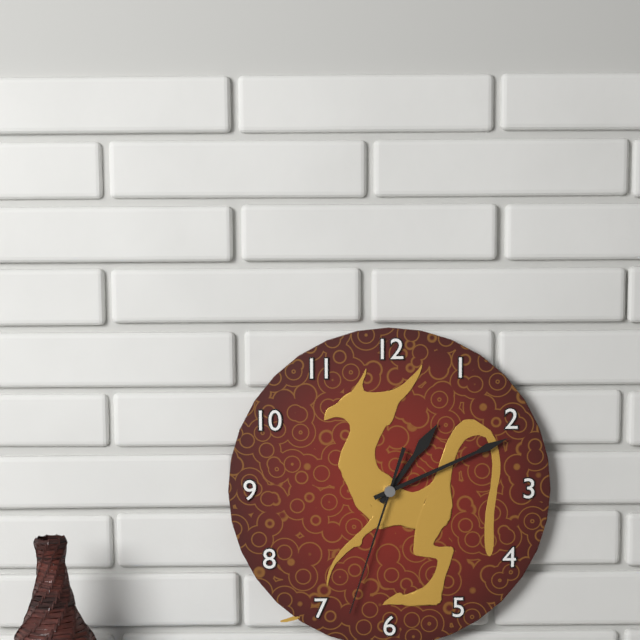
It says h=1 m=11 s=33
